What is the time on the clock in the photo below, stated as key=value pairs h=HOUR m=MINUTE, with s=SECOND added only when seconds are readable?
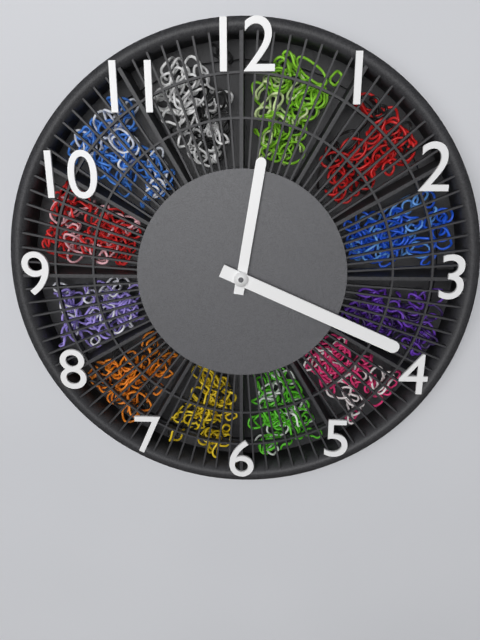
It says h=12 m=19
